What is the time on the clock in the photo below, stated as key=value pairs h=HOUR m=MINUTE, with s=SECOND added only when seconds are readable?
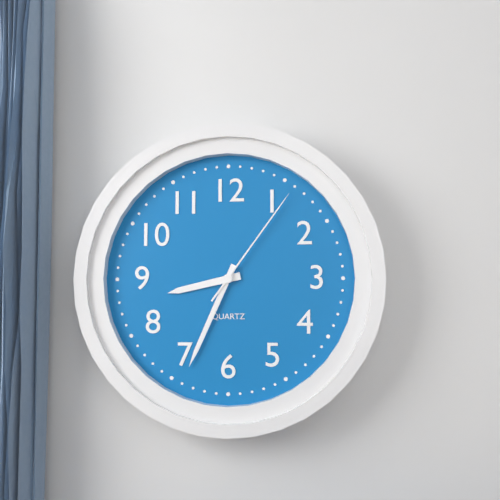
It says h=8 m=34 s=6
